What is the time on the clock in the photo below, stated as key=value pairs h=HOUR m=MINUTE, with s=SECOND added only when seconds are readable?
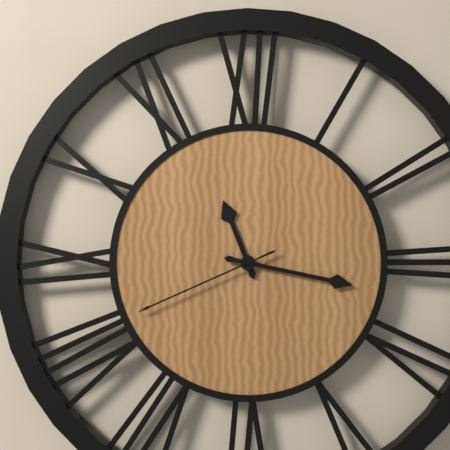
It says h=11 m=17 s=41
